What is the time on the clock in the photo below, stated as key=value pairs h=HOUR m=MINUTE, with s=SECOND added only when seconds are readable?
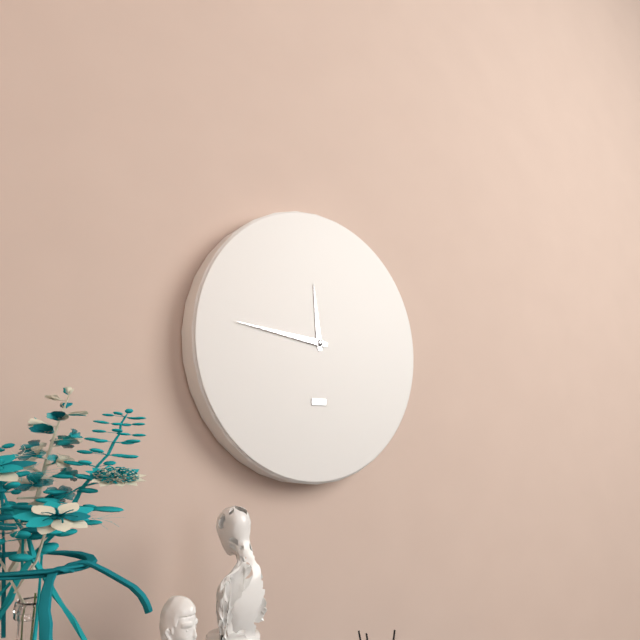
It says h=11 m=46
